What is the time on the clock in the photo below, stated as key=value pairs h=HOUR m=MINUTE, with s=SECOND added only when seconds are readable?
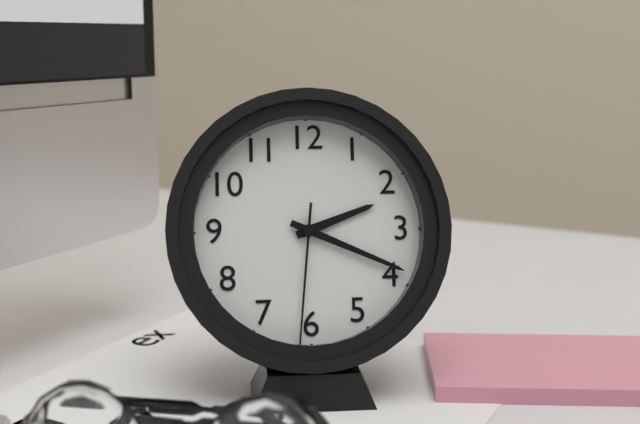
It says h=2 m=19 s=31
